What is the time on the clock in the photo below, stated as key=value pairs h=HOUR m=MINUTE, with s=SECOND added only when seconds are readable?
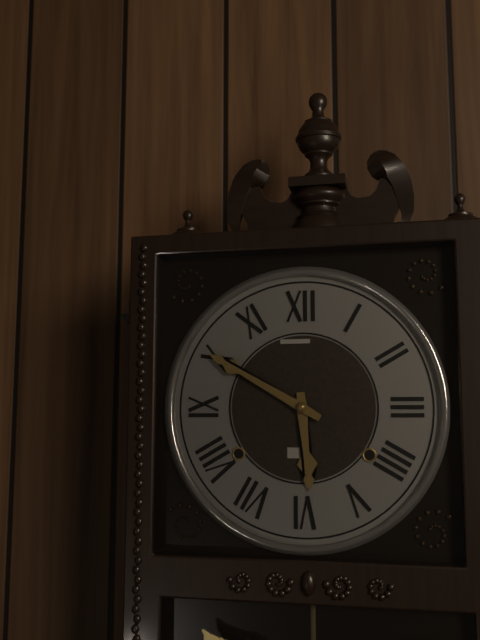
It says h=5 m=50
